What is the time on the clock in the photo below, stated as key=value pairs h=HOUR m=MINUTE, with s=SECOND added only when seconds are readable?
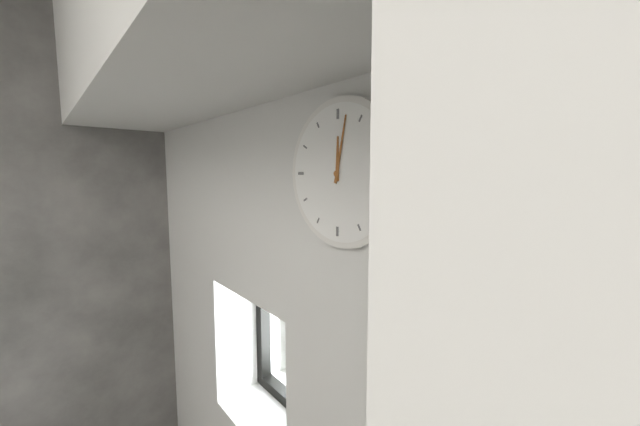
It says h=12 m=2
